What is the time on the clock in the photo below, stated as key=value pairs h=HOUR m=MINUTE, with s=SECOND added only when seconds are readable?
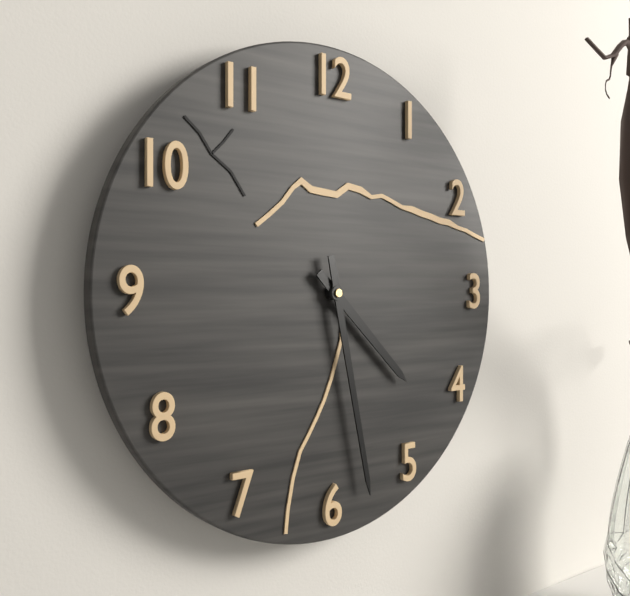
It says h=4 m=28
